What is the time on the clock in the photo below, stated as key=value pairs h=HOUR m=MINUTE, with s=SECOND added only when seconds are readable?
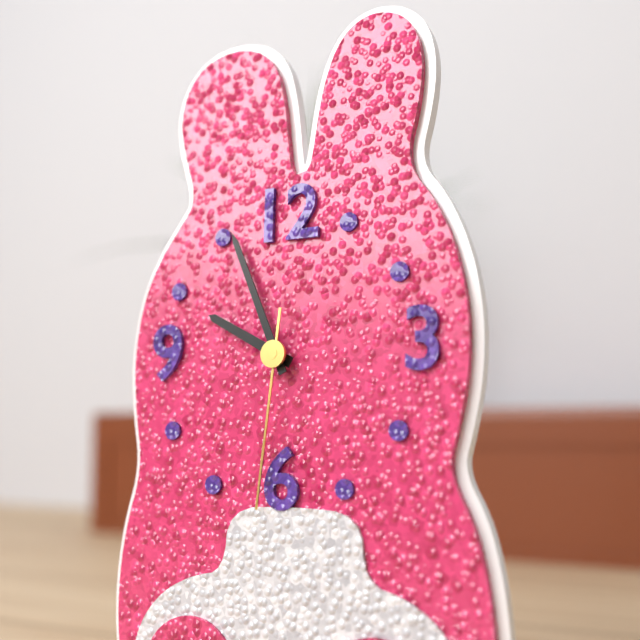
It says h=9 m=56 s=31
